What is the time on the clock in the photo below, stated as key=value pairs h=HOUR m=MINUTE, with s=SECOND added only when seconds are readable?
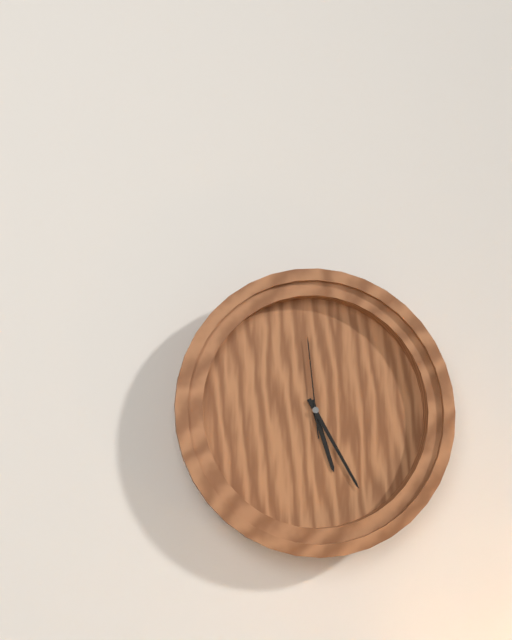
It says h=5 m=25 s=59
